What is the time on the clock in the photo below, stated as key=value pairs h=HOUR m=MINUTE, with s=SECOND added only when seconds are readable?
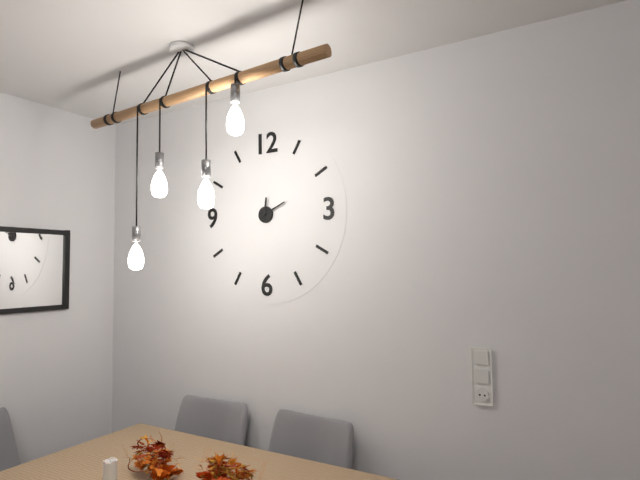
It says h=12 m=11
